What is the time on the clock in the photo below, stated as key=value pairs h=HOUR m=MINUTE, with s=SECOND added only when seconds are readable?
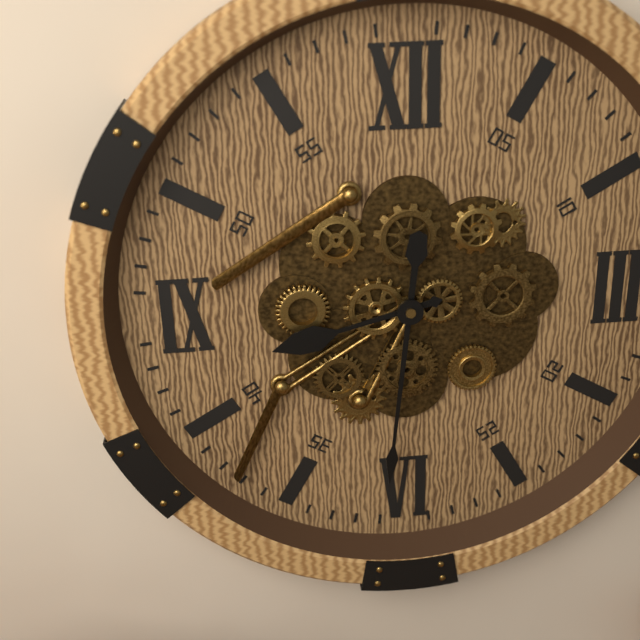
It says h=8 m=31
